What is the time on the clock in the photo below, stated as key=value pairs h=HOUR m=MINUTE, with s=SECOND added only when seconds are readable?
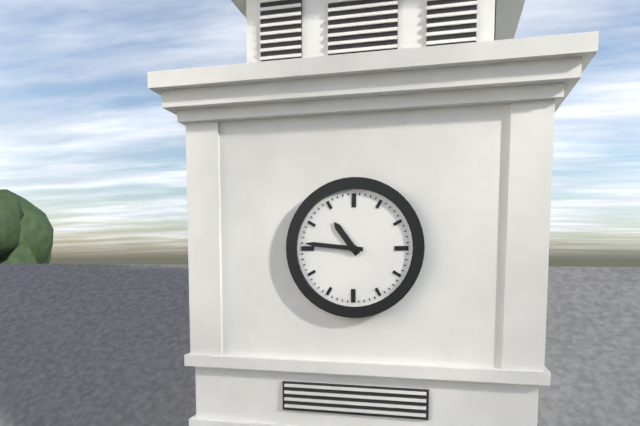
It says h=10 m=46
